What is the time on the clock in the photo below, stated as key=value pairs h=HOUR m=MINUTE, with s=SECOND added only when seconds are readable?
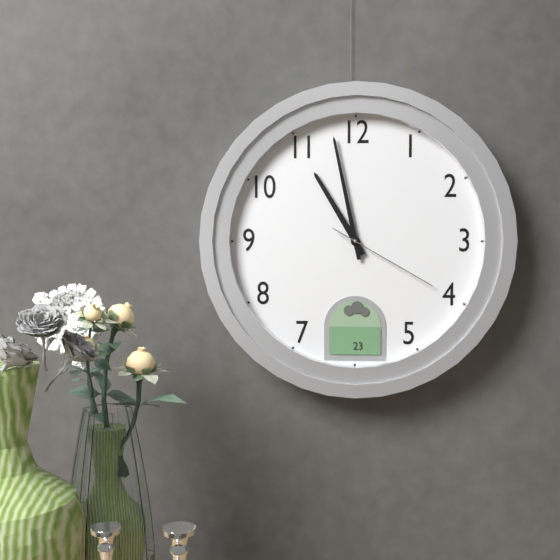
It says h=10 m=58 s=20
